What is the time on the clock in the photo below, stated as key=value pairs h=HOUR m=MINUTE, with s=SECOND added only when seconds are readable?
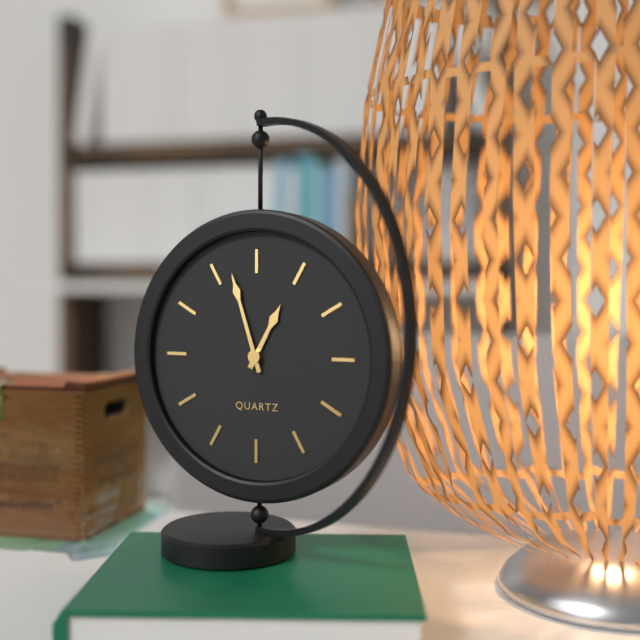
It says h=12 m=57
